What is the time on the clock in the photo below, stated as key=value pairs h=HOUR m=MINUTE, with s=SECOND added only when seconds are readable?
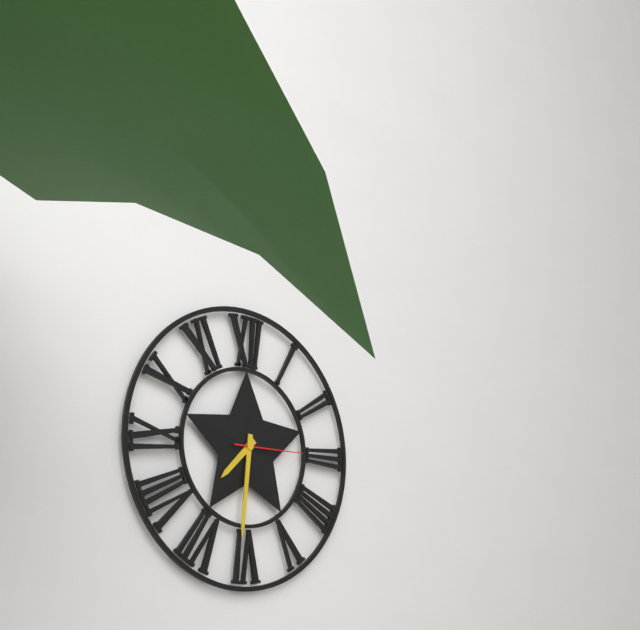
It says h=7 m=31 s=15
